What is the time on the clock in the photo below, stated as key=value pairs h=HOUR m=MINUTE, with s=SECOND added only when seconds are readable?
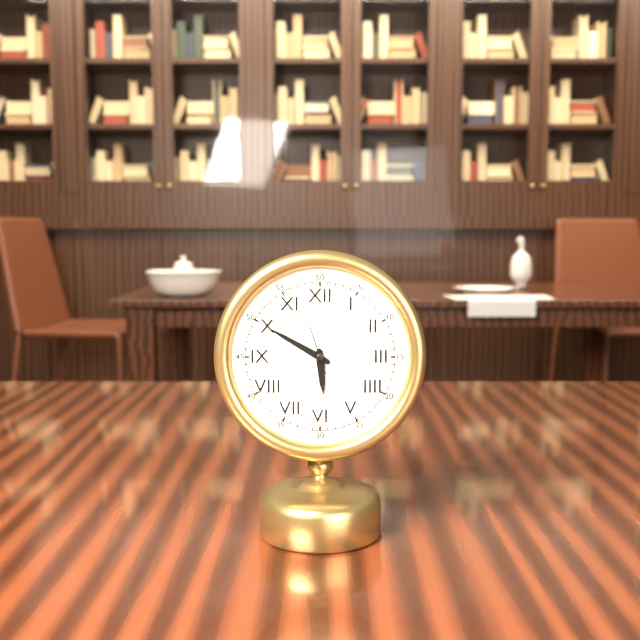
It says h=5 m=50 s=57
